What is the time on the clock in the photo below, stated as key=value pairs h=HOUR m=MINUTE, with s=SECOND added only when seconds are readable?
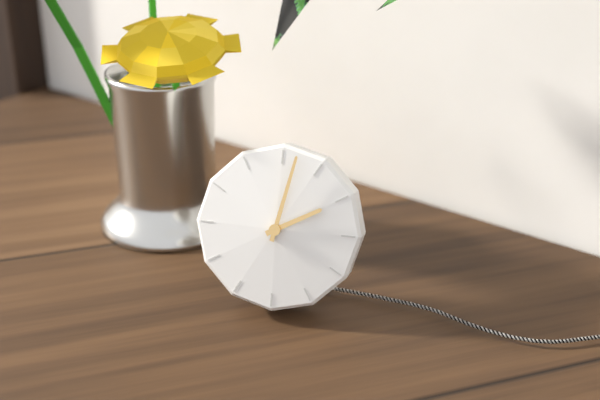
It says h=2 m=2
